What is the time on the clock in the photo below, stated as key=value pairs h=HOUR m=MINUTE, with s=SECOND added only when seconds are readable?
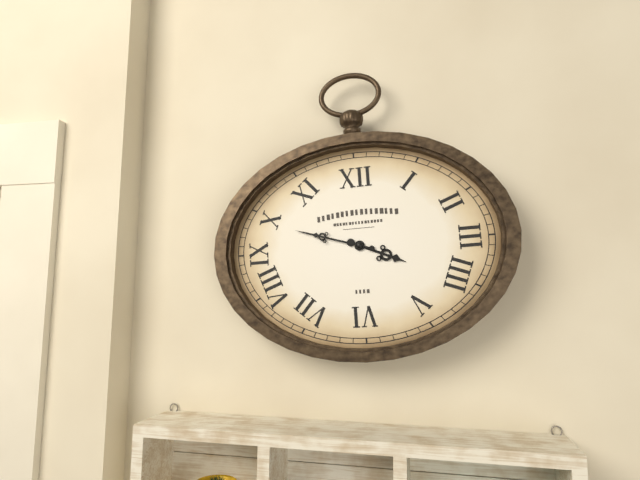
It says h=3 m=48
